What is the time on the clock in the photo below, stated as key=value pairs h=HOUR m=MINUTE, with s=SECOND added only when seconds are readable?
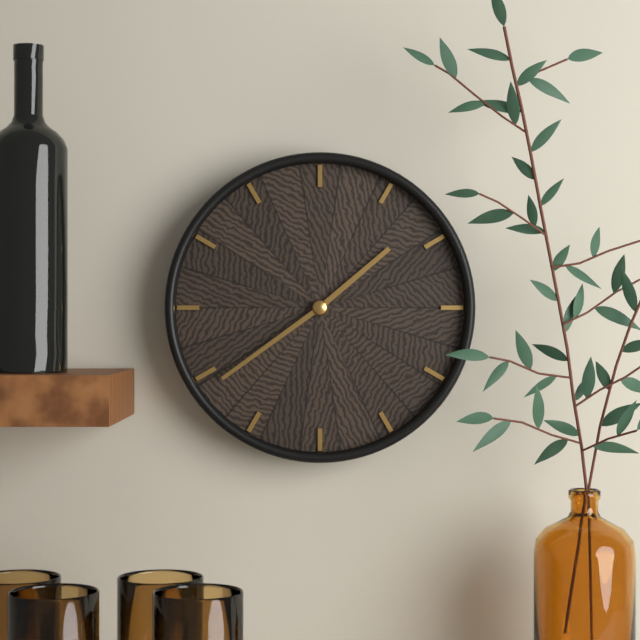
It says h=1 m=39
